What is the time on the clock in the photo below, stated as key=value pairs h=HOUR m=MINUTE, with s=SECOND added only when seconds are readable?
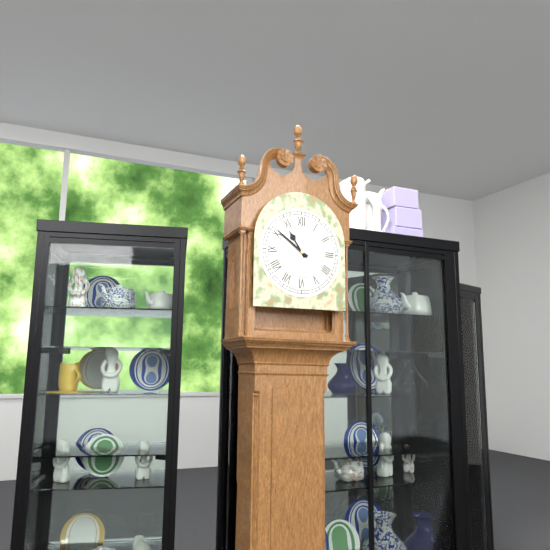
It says h=10 m=51
